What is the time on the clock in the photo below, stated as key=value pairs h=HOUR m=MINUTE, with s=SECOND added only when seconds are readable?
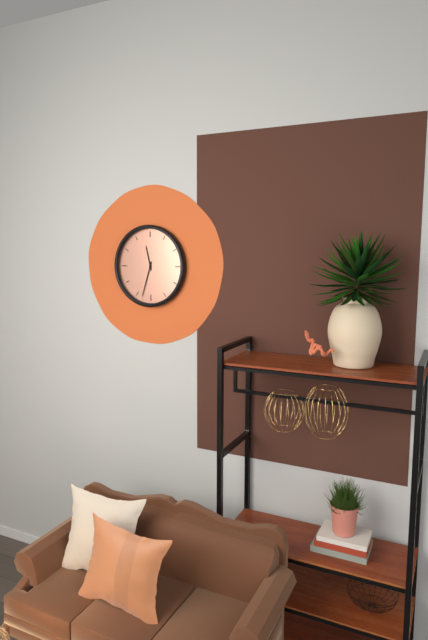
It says h=11 m=33
